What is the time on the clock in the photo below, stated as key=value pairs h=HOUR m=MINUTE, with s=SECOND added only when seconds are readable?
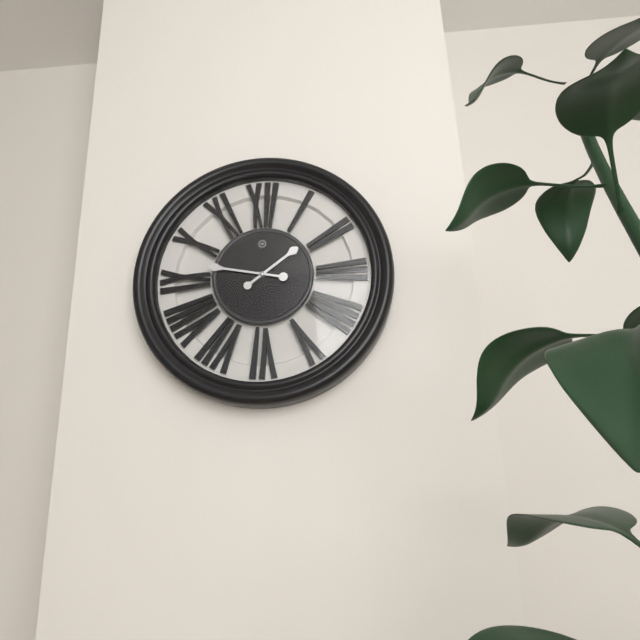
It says h=1 m=47
